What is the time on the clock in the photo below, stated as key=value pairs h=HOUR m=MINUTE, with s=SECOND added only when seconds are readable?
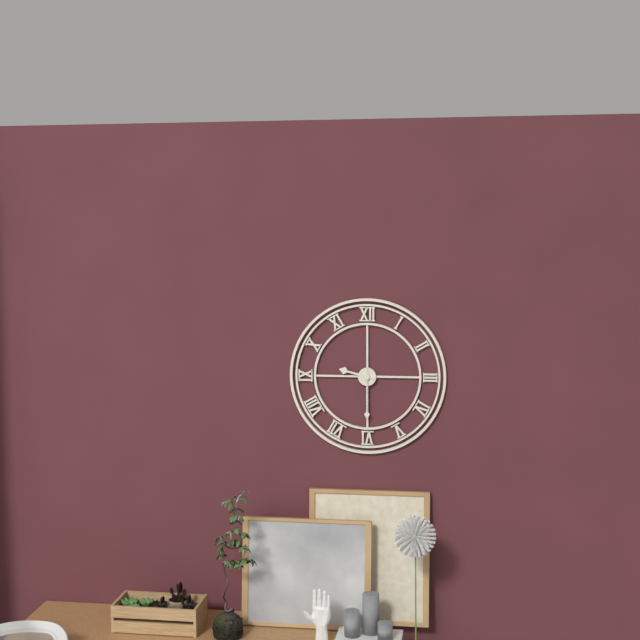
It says h=9 m=30
